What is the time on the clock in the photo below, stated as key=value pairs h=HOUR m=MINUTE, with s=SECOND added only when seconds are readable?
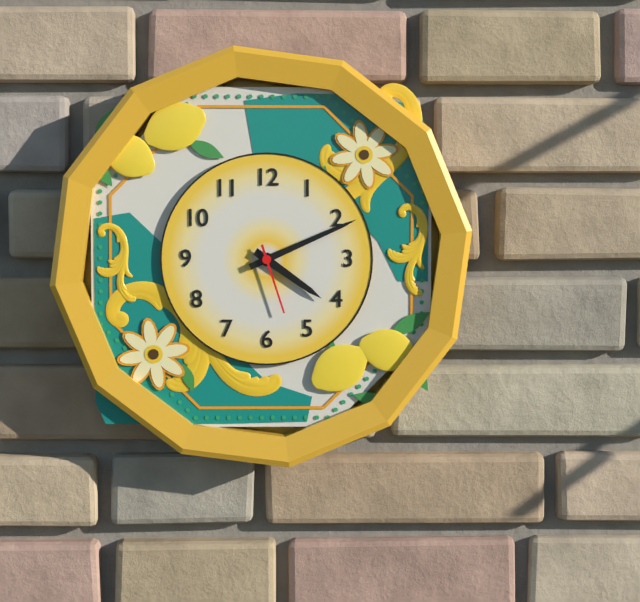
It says h=4 m=11 s=27
